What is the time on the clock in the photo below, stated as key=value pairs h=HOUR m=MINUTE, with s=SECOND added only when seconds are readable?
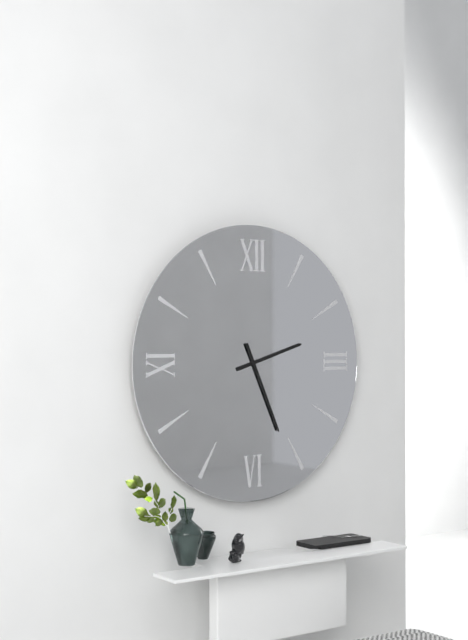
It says h=2 m=26
